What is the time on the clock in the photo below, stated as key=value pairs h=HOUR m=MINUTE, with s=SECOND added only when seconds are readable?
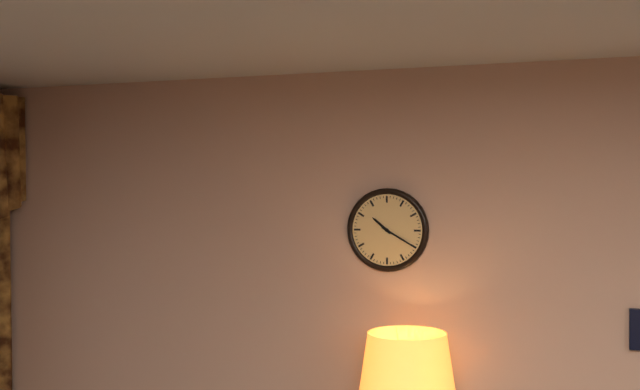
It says h=10 m=20
